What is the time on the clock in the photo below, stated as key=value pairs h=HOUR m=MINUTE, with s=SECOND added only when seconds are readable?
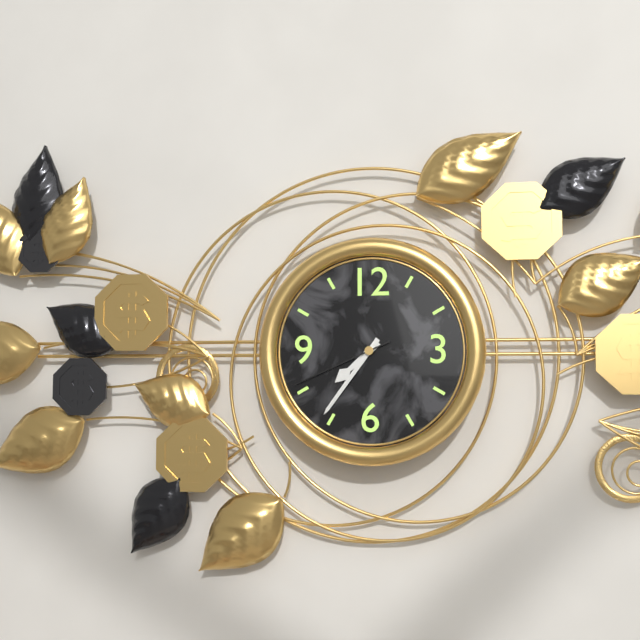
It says h=7 m=36 s=41
